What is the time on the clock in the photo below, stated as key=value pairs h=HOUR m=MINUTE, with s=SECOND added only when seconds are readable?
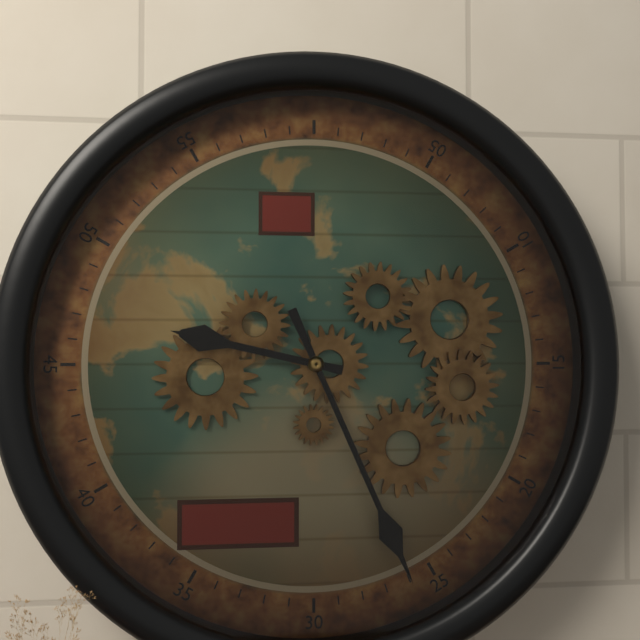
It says h=9 m=26
